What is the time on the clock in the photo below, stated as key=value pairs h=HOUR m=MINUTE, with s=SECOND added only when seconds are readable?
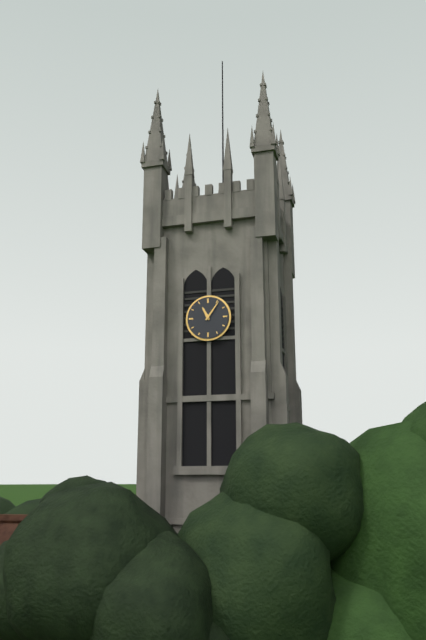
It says h=11 m=6
